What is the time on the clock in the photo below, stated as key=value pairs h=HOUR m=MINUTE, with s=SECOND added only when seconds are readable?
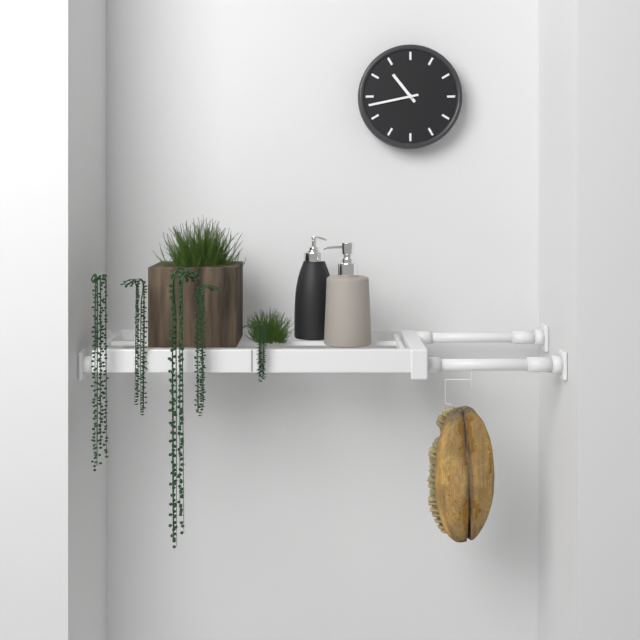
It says h=10 m=43
